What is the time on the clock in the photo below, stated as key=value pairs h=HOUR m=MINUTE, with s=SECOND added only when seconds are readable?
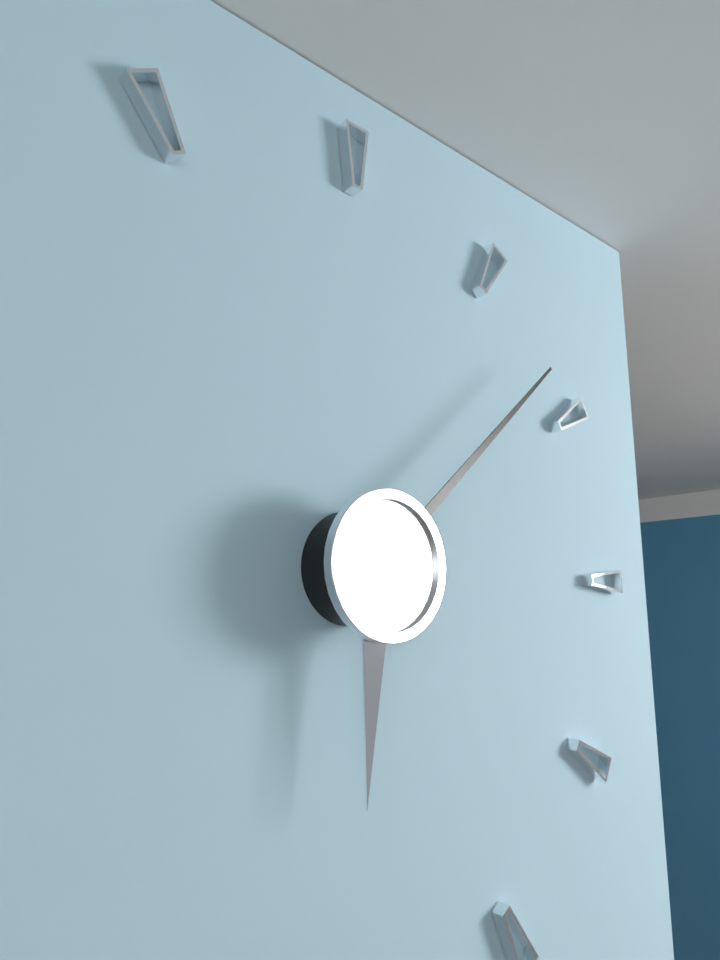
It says h=6 m=8
